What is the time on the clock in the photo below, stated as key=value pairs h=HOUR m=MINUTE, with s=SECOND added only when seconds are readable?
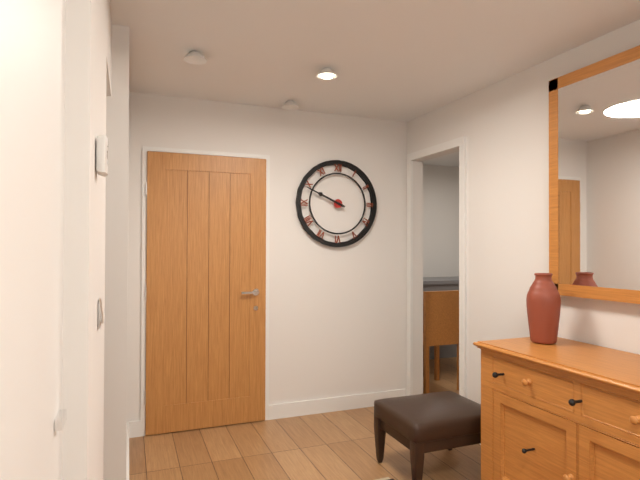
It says h=9 m=49
